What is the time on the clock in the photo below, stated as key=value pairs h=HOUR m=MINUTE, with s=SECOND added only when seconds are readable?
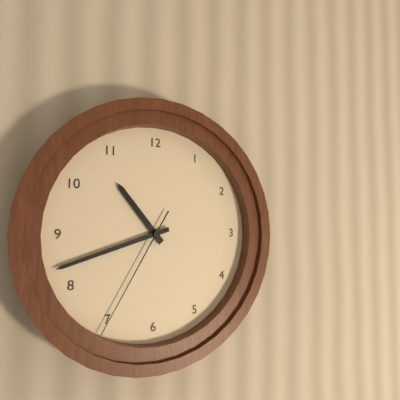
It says h=10 m=42 s=35
